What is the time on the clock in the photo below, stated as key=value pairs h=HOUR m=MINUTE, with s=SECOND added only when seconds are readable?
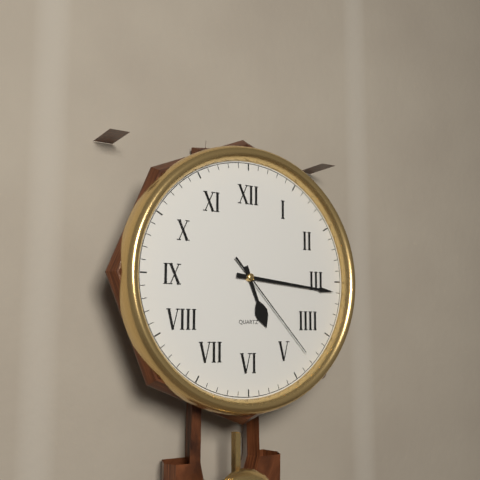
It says h=5 m=16 s=23
